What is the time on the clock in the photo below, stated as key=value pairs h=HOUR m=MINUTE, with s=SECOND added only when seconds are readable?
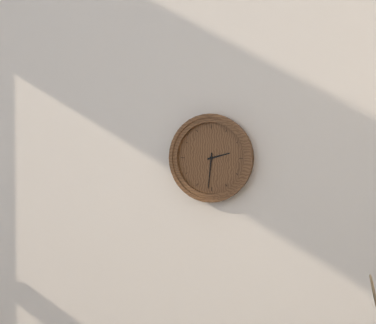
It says h=2 m=31
